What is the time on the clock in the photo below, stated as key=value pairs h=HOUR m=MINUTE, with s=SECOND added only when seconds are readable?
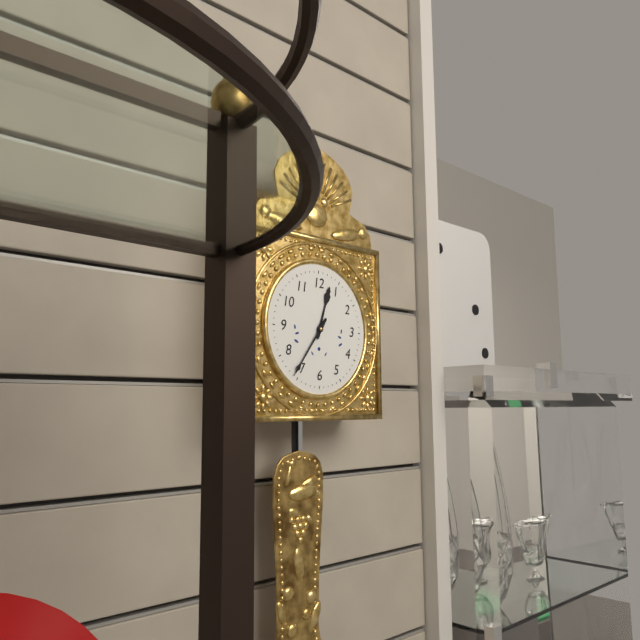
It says h=12 m=36
